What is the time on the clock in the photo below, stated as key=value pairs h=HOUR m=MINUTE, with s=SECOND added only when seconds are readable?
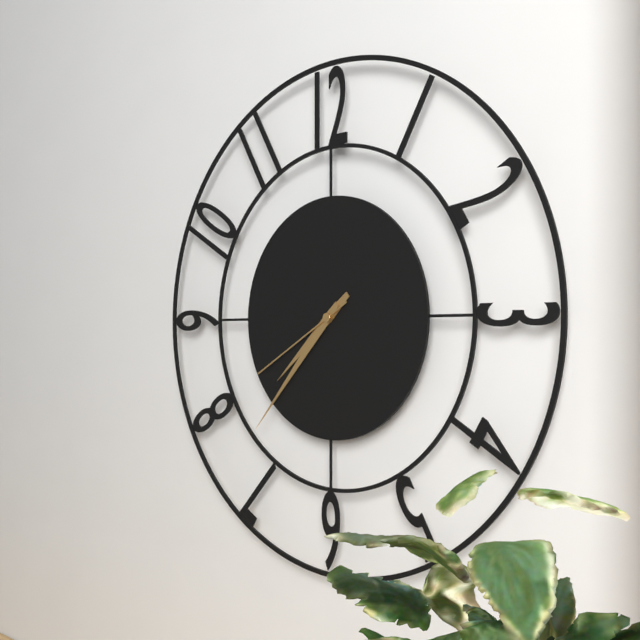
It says h=7 m=37 s=40
